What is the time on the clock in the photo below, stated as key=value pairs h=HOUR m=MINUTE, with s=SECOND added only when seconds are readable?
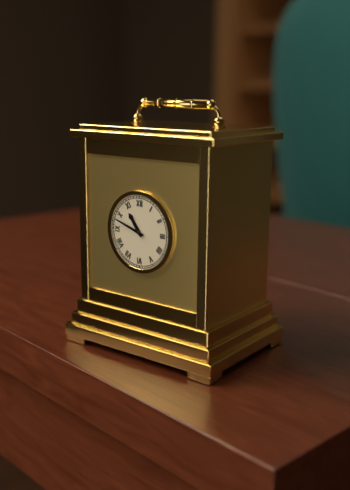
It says h=10 m=48
